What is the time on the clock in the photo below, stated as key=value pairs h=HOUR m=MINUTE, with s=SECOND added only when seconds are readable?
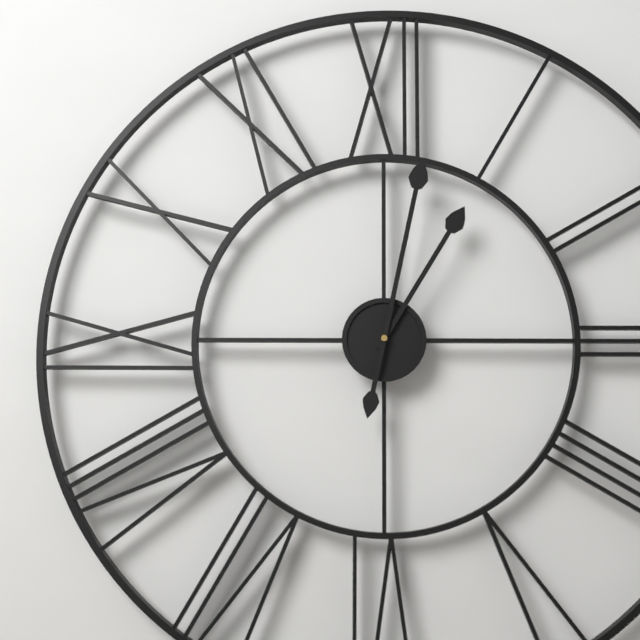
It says h=1 m=2
